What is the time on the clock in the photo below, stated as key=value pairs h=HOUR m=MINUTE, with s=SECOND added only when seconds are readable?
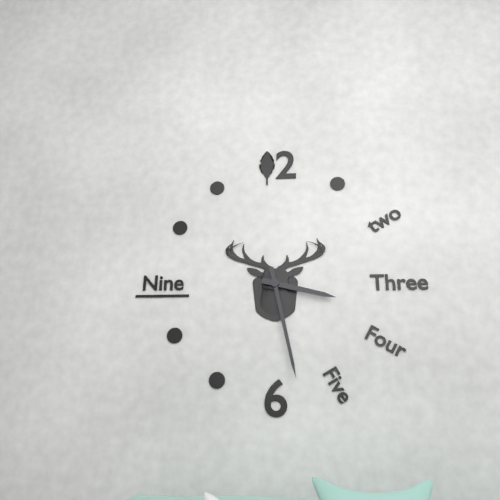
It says h=3 m=28
